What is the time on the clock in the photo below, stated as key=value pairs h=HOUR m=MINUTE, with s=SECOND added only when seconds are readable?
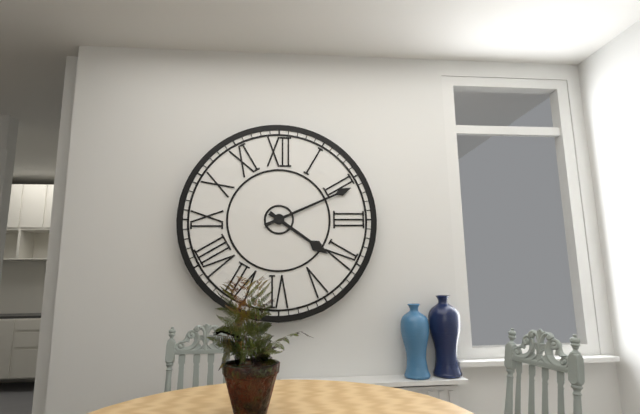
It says h=4 m=11
